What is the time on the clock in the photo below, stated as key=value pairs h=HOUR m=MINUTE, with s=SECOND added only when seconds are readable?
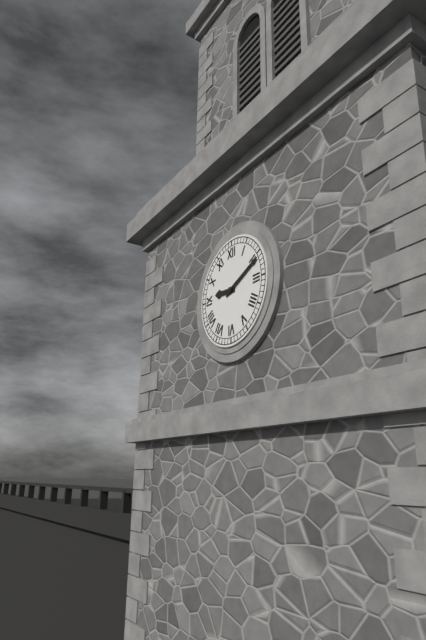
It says h=9 m=11
